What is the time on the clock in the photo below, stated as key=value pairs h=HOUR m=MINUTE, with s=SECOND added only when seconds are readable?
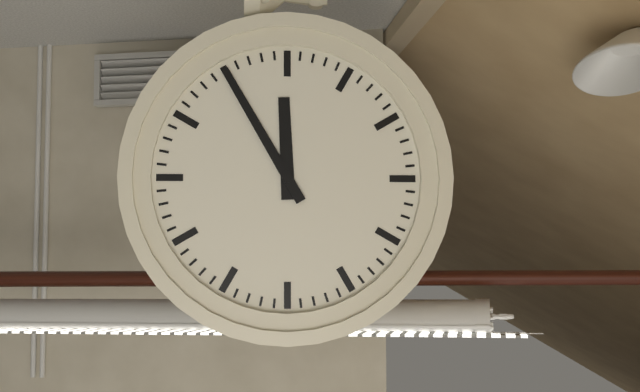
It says h=11 m=55
